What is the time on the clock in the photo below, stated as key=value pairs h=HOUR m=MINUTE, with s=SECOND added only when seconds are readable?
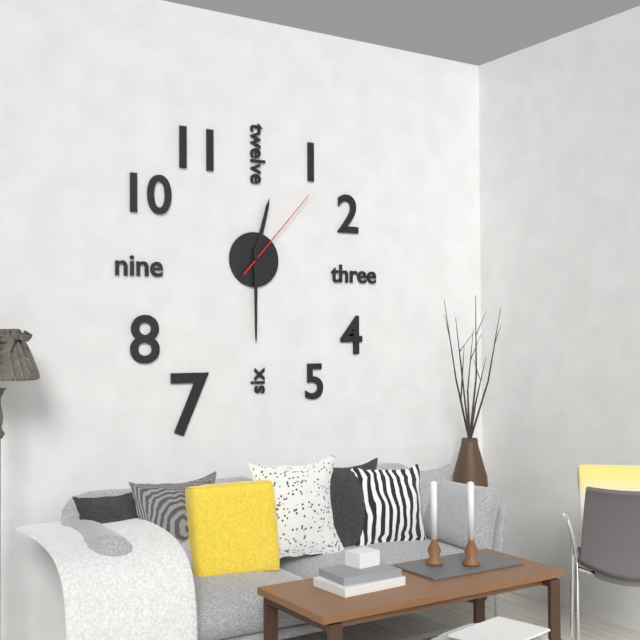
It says h=12 m=30 s=7
